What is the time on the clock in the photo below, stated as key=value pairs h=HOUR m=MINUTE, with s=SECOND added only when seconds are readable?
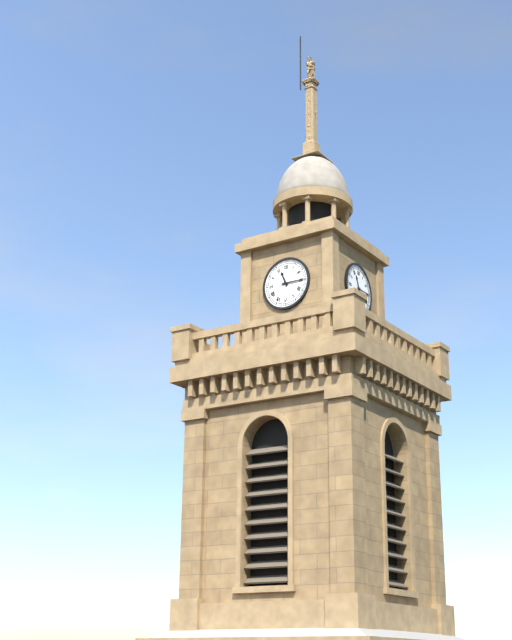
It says h=11 m=15
